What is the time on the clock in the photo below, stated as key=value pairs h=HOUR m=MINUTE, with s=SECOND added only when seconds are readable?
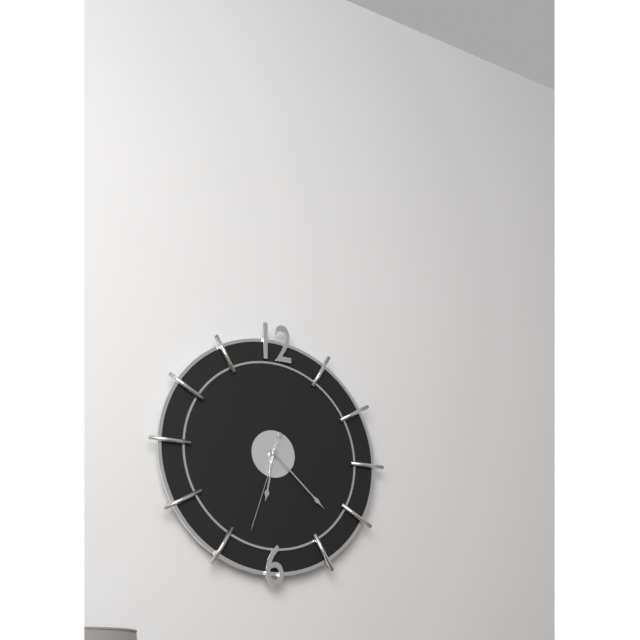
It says h=6 m=22 s=33
